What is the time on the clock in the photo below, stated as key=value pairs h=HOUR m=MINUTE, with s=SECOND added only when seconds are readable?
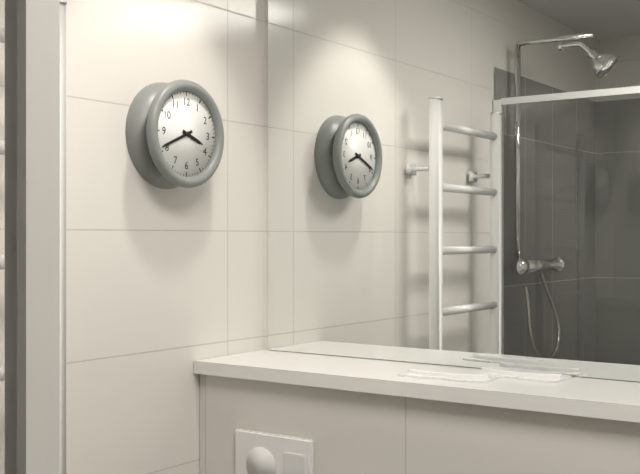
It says h=3 m=41
